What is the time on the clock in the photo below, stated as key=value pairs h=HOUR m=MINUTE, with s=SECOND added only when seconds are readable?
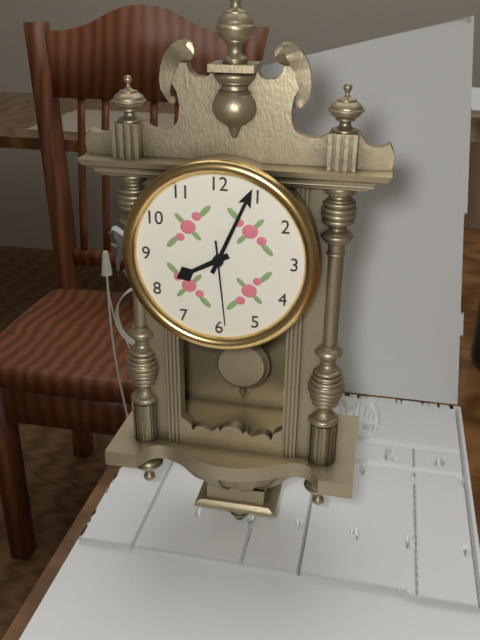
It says h=8 m=4 s=29
